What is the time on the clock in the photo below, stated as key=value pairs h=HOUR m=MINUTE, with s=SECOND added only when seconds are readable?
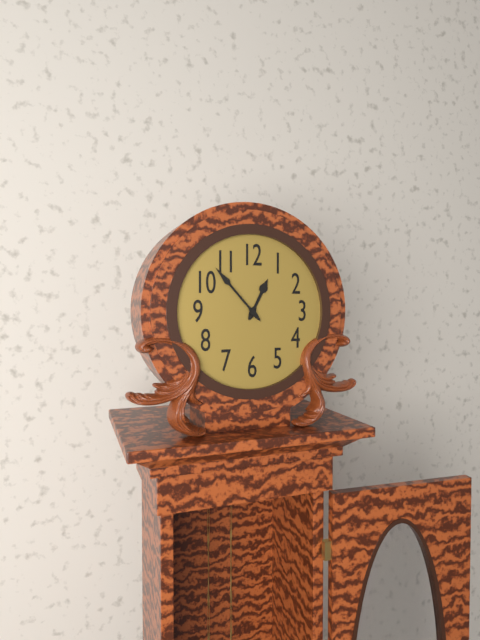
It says h=12 m=53
